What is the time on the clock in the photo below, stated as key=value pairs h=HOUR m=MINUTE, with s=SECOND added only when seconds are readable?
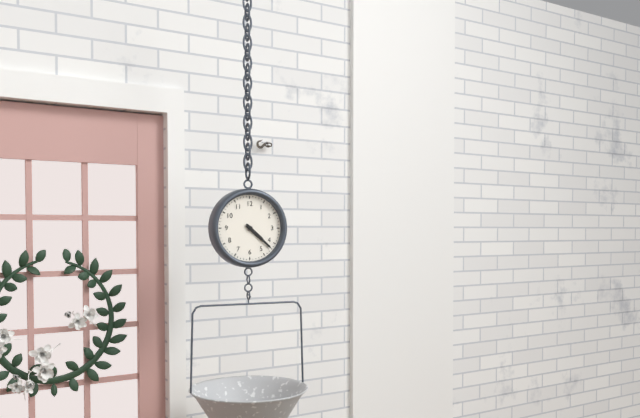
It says h=4 m=22
